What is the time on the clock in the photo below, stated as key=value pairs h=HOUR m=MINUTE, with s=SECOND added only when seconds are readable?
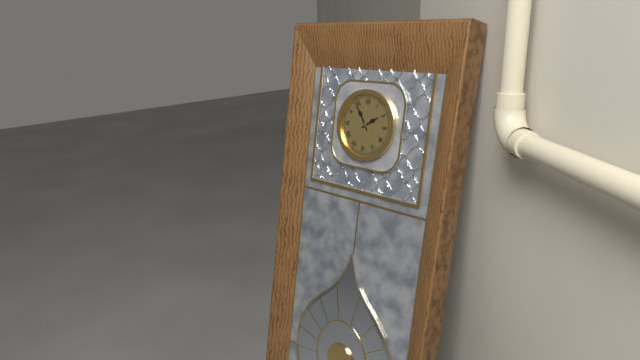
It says h=1 m=54
